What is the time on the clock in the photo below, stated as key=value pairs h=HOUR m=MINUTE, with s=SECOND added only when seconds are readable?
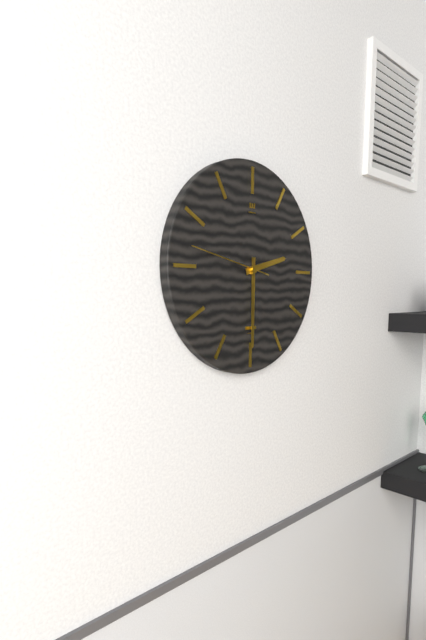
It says h=2 m=30 s=47
